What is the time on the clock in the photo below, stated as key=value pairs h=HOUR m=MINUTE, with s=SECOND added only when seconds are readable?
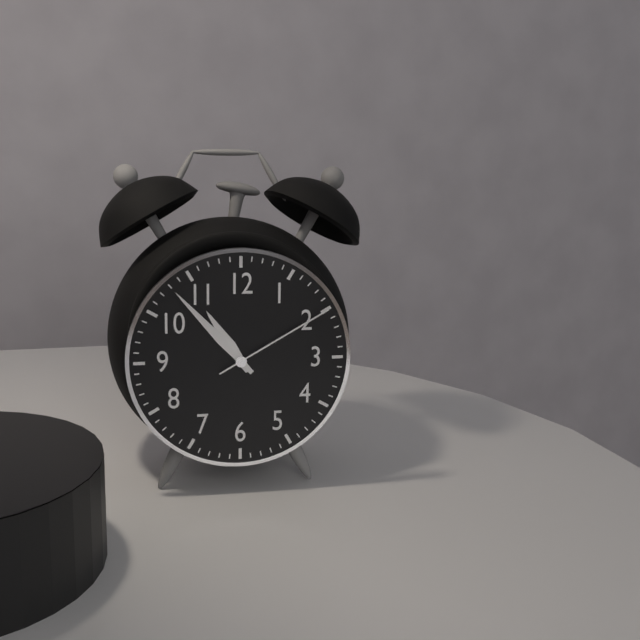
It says h=10 m=53 s=10
